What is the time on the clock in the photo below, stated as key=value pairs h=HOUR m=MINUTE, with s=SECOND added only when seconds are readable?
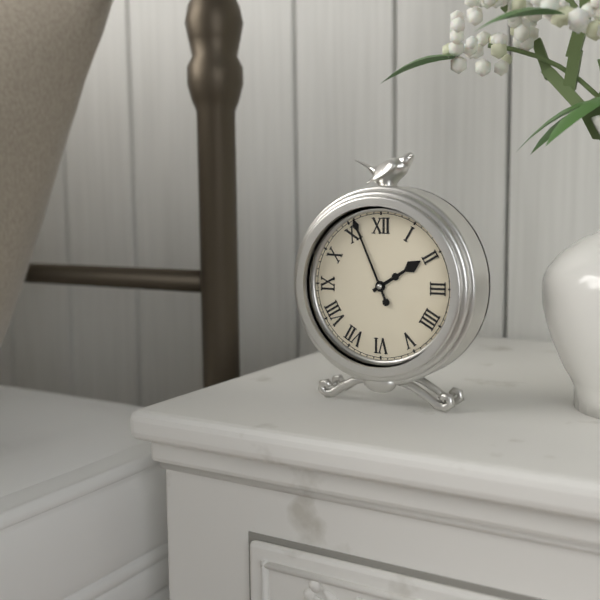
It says h=1 m=56
